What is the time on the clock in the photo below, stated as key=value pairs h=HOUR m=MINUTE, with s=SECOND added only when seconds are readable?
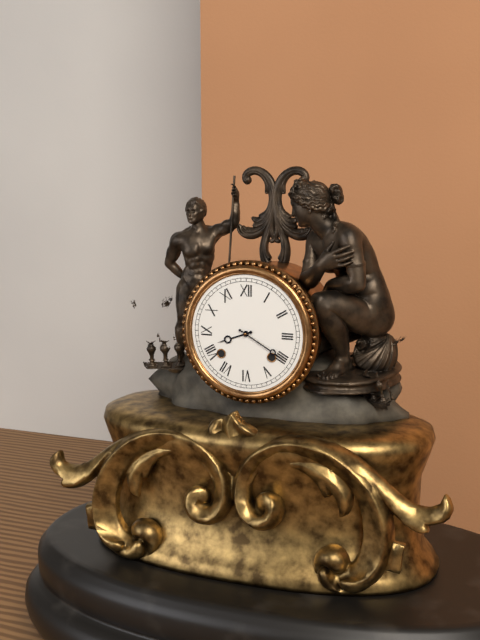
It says h=8 m=20
